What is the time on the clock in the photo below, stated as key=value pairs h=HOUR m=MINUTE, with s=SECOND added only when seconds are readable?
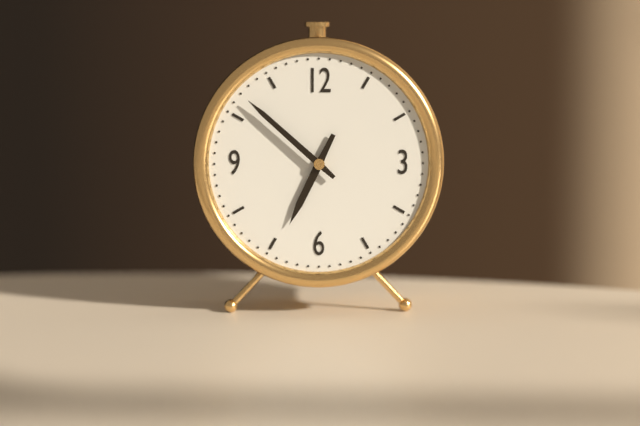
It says h=6 m=52
